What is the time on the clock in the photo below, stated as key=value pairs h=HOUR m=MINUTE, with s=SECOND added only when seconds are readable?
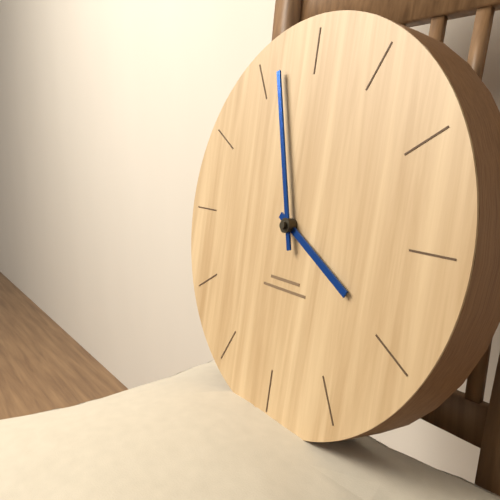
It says h=3 m=57
